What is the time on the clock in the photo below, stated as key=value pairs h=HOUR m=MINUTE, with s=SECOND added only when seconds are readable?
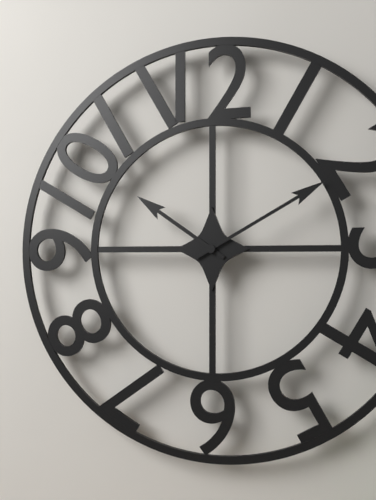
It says h=10 m=10
